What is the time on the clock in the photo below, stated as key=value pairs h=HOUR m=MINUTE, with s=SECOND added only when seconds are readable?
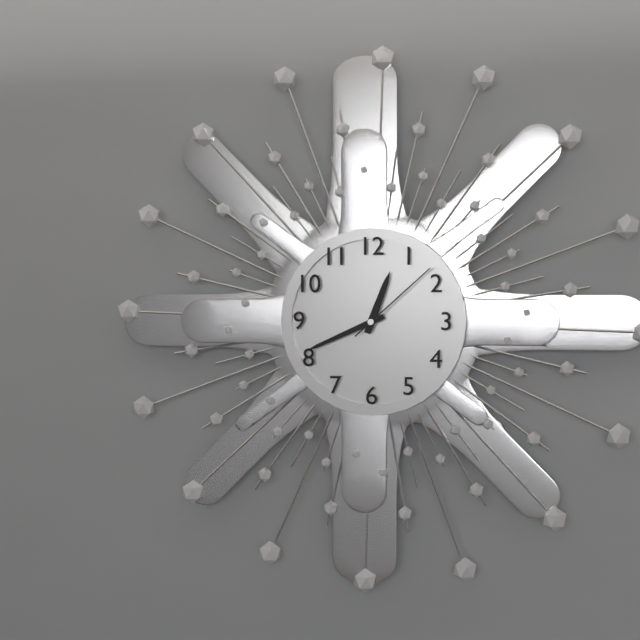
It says h=12 m=41 s=8
